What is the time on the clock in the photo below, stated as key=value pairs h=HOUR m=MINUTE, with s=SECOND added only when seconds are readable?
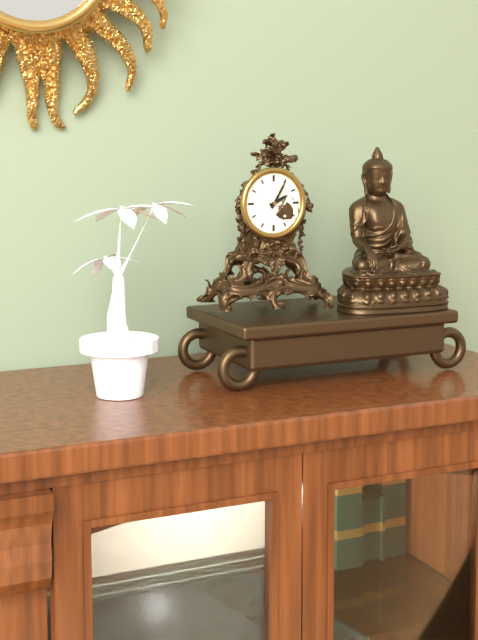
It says h=2 m=5
